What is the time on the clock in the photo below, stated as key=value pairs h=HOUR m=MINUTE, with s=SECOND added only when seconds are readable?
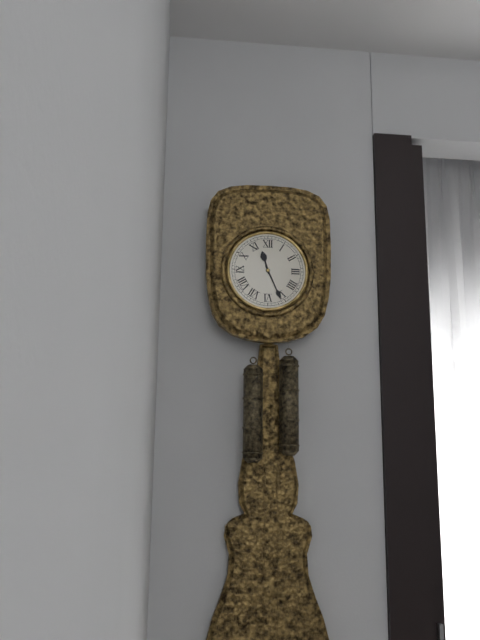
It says h=11 m=26
